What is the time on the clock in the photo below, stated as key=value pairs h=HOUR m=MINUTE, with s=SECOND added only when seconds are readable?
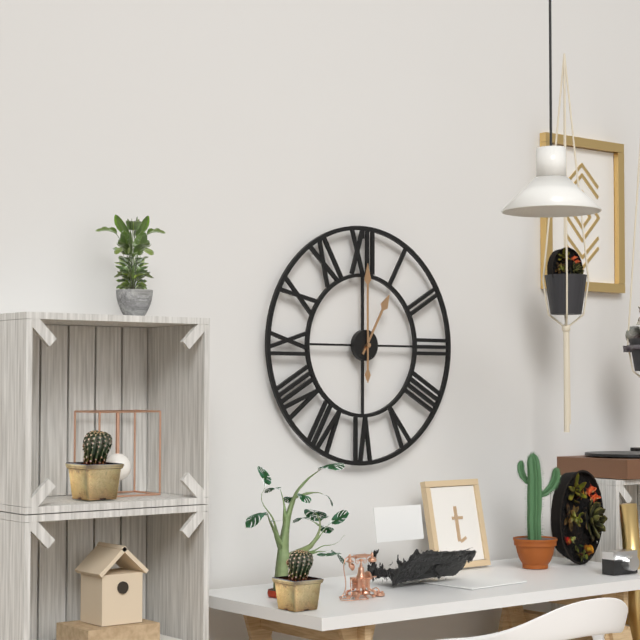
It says h=1 m=0
